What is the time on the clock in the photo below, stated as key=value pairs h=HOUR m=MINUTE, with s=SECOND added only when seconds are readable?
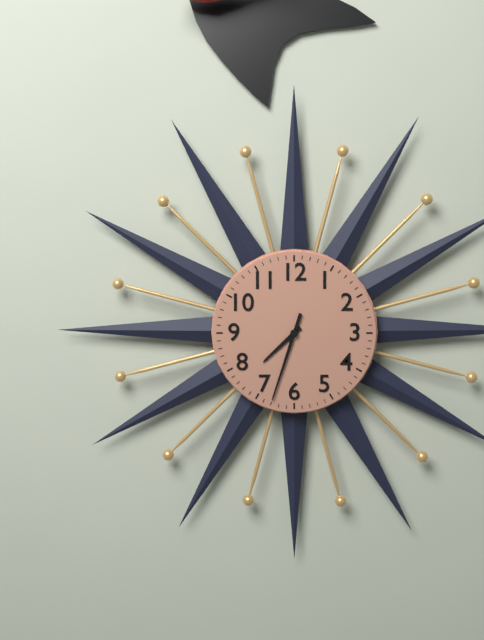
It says h=7 m=33
